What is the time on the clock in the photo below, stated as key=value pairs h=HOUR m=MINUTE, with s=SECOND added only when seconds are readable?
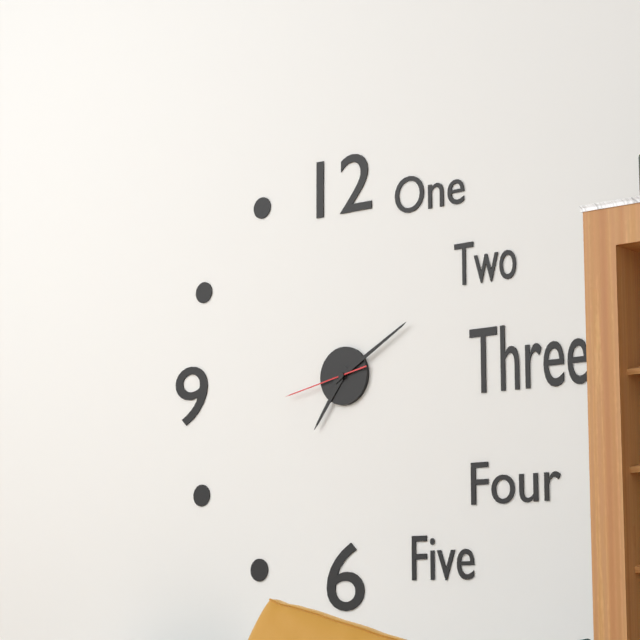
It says h=7 m=10 s=43
